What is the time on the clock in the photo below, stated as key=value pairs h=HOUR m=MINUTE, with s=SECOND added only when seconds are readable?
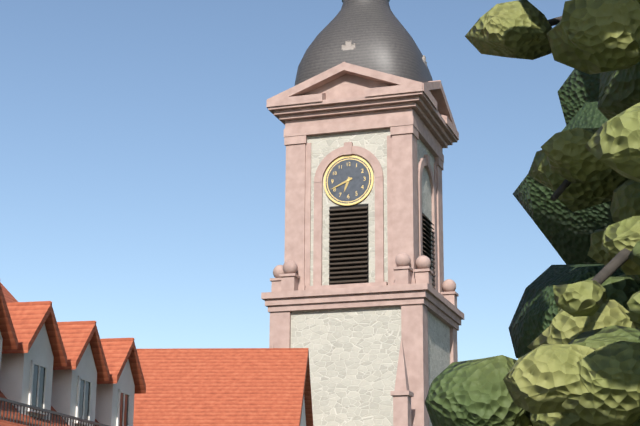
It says h=6 m=41
